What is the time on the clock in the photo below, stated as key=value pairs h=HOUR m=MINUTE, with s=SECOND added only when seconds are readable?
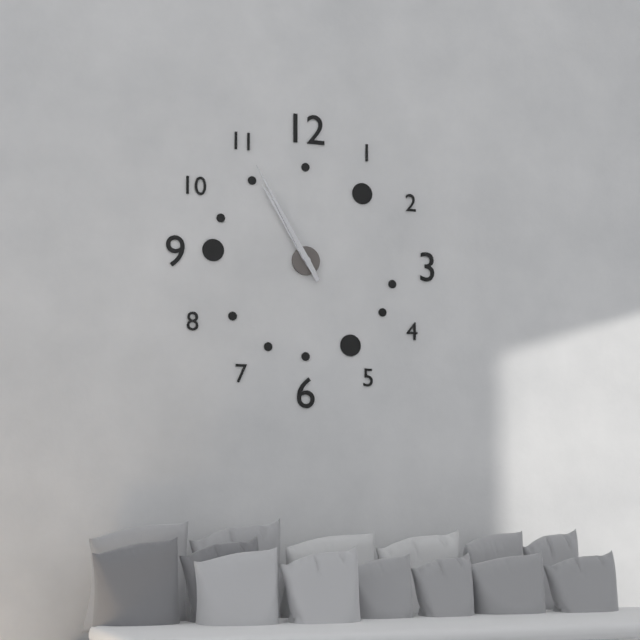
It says h=10 m=55
